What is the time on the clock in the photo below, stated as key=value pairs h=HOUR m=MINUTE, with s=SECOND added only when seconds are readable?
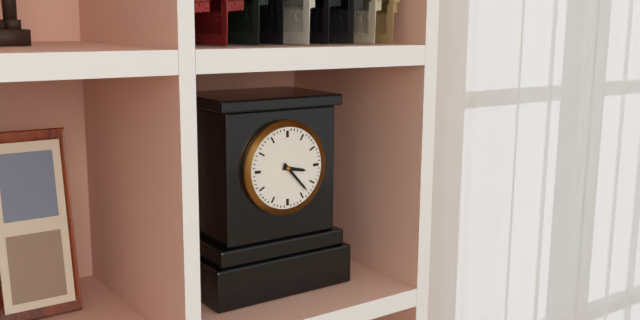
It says h=3 m=23
